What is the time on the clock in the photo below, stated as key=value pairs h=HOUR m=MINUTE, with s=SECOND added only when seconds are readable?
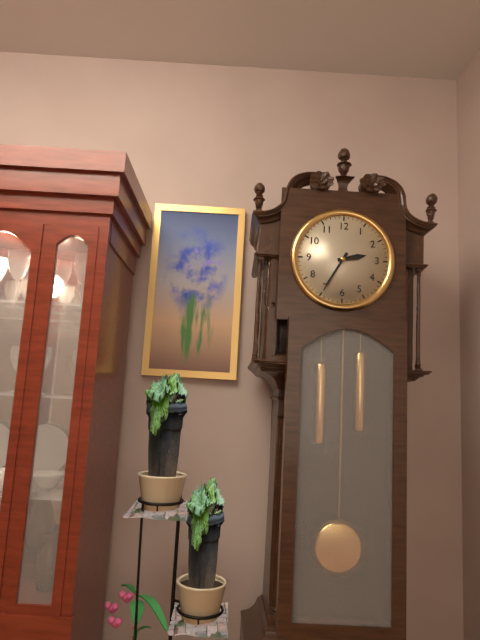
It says h=2 m=35
